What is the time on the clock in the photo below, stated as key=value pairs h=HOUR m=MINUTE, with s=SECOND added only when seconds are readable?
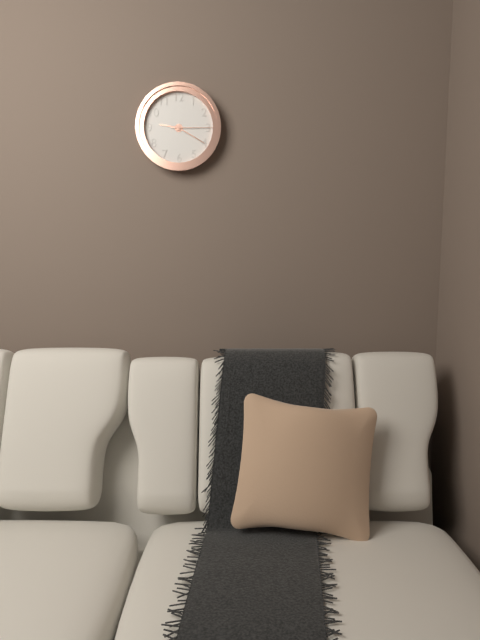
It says h=9 m=20
